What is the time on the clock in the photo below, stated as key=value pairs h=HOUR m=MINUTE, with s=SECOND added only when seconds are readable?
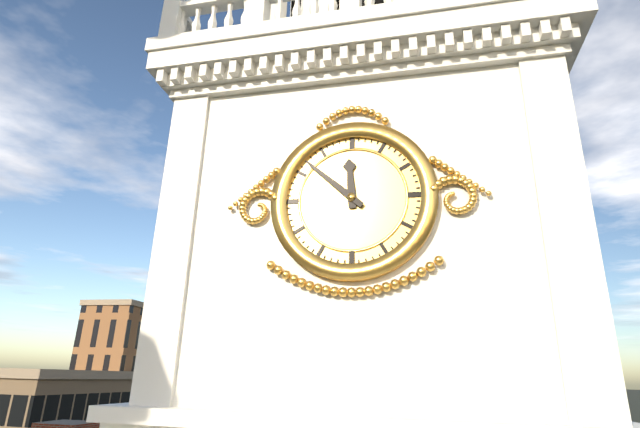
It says h=11 m=52
